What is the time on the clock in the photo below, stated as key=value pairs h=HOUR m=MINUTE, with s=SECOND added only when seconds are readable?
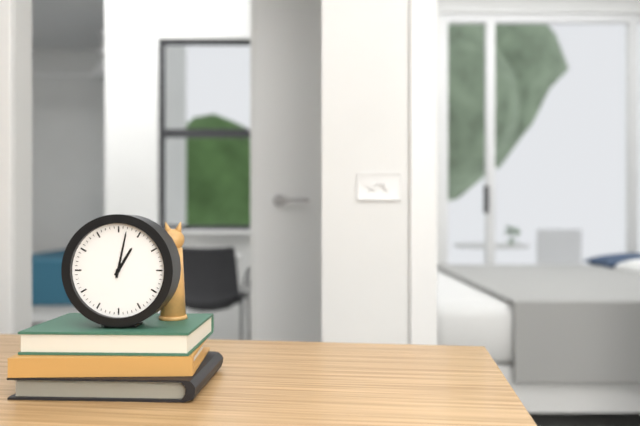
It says h=1 m=2
